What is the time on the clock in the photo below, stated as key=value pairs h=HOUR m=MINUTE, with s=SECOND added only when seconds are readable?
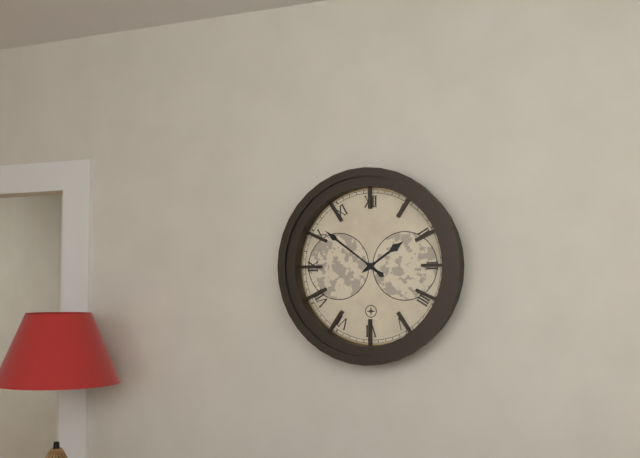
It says h=1 m=51
